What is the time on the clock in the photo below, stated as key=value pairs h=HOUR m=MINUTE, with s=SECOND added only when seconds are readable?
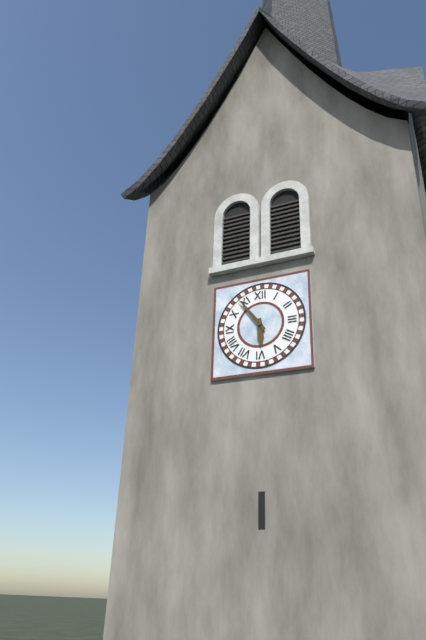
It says h=5 m=54
